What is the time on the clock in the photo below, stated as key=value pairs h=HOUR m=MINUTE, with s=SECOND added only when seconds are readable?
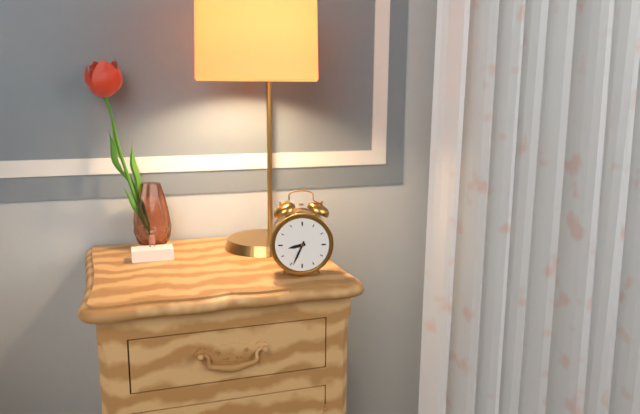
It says h=8 m=34
